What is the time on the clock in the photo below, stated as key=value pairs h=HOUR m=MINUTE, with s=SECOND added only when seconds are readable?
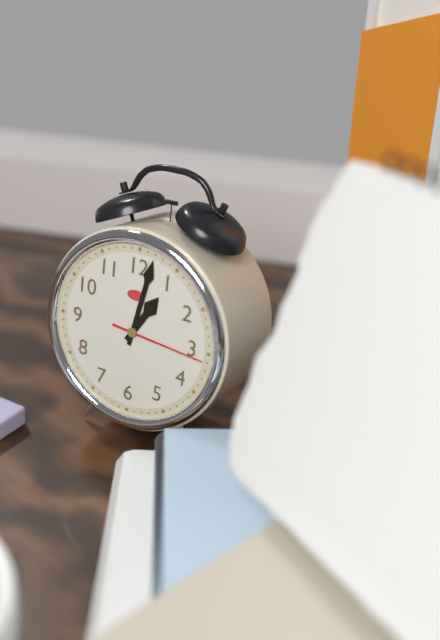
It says h=1 m=2 s=16
